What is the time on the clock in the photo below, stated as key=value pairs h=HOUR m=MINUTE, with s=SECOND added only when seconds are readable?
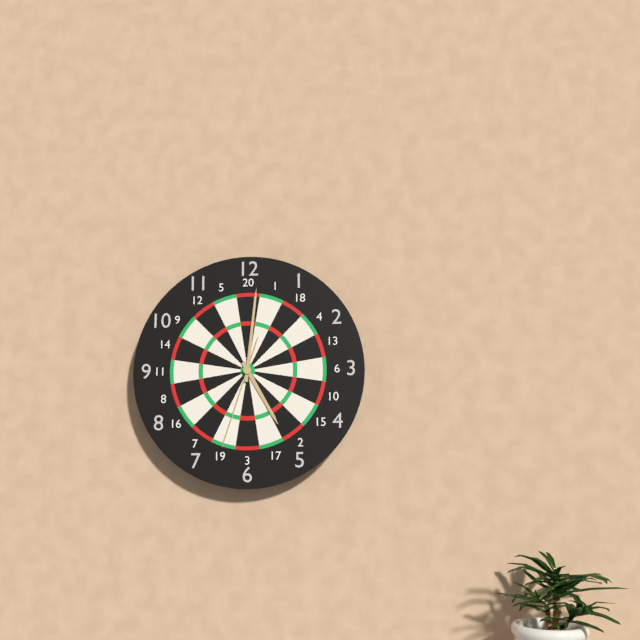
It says h=5 m=1 s=33
